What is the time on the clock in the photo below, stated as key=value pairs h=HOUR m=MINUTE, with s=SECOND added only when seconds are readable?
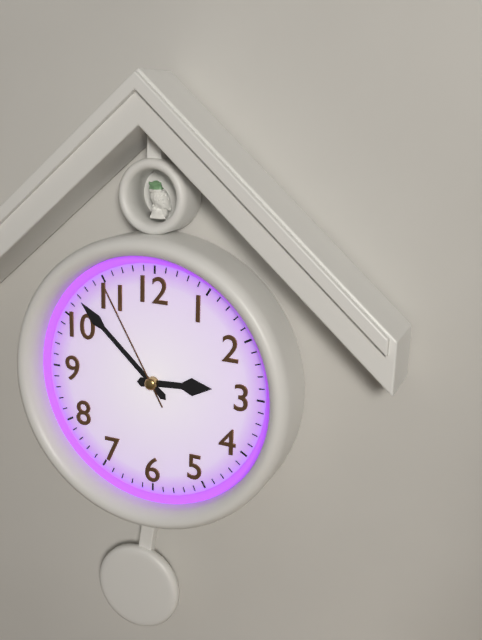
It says h=2 m=52 s=55
